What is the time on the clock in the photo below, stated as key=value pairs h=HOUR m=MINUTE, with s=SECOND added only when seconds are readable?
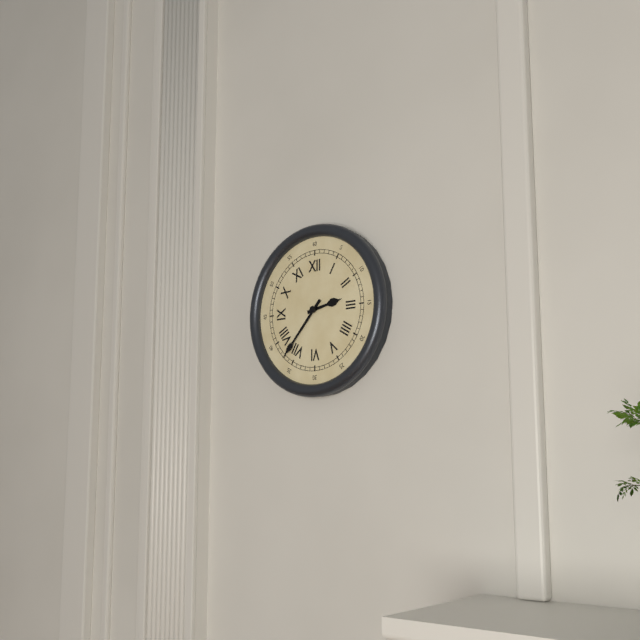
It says h=2 m=37
